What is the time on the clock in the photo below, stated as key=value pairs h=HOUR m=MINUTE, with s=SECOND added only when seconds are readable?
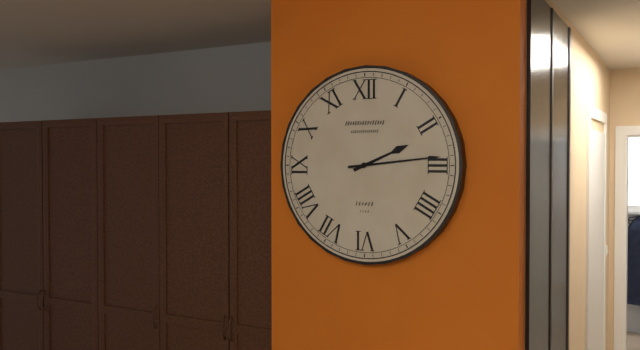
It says h=2 m=14
